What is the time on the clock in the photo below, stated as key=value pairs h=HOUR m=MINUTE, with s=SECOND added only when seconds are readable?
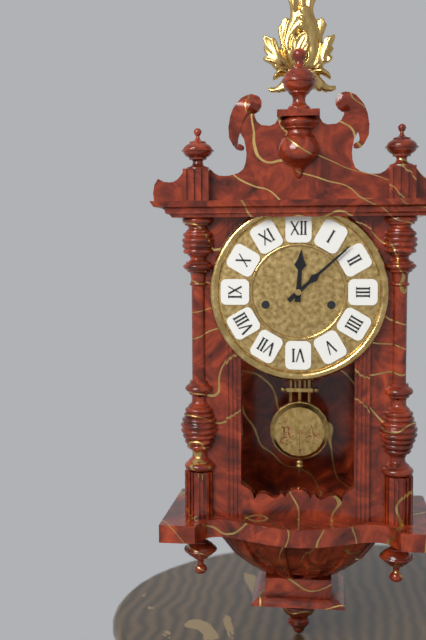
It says h=12 m=8
